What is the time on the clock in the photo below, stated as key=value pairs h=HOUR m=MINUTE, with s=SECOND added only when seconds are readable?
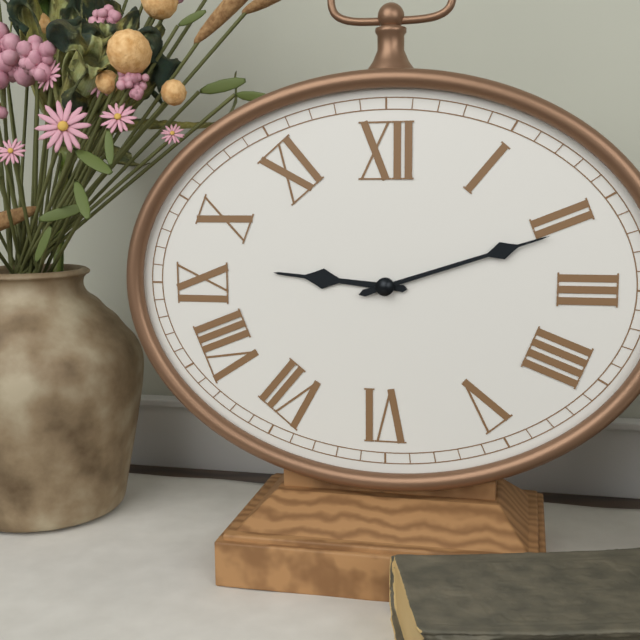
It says h=9 m=12
